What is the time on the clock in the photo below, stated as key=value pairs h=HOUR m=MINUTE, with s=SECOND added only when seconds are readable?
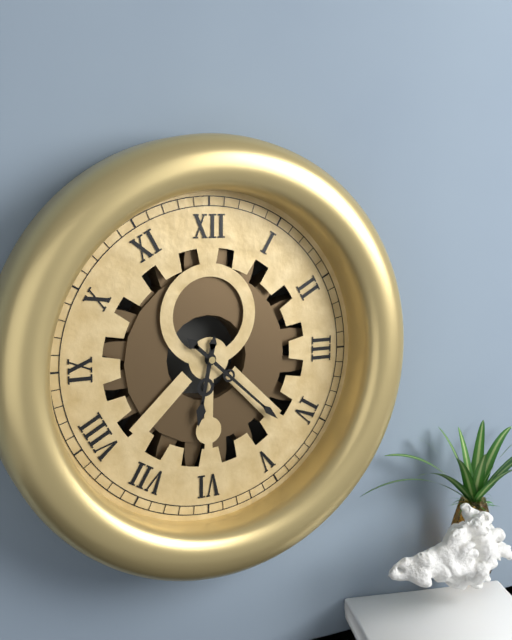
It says h=6 m=22
